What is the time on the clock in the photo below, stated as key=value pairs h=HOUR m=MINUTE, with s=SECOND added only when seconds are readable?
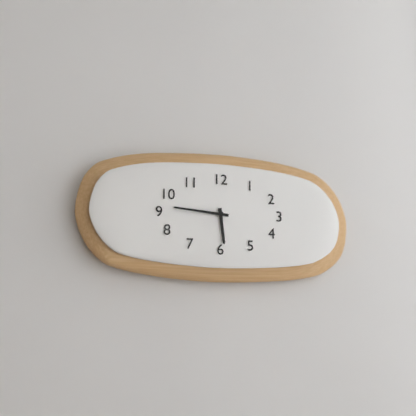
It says h=5 m=46
